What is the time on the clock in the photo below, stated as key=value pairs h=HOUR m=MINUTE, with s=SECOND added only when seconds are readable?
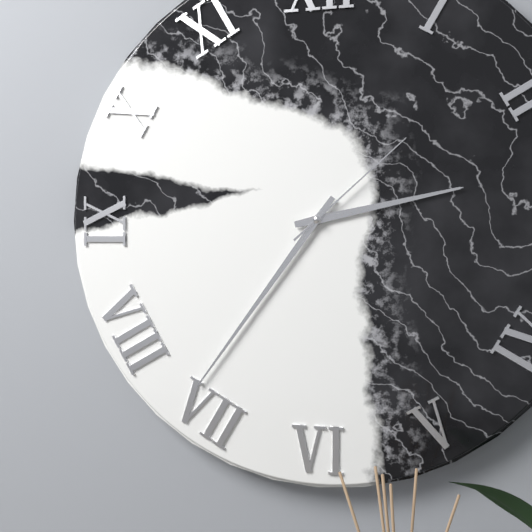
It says h=2 m=36 s=8
